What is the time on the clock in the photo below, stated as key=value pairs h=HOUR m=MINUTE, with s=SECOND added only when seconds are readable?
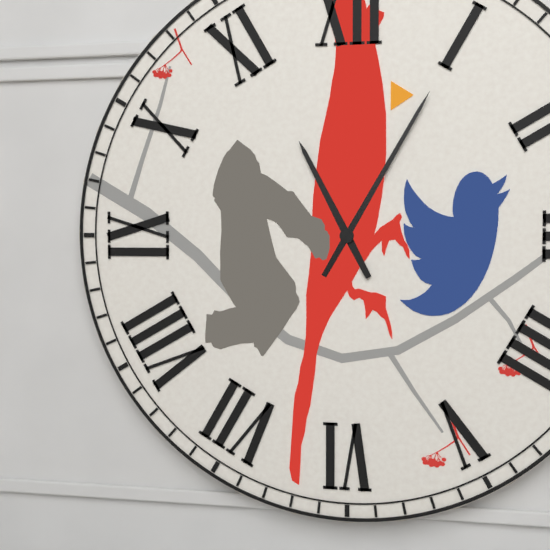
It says h=11 m=5
